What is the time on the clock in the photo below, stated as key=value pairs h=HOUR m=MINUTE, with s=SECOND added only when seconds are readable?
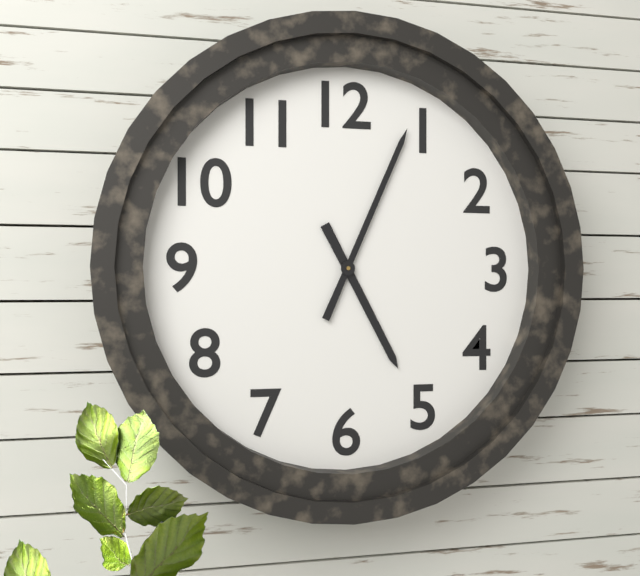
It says h=5 m=4
